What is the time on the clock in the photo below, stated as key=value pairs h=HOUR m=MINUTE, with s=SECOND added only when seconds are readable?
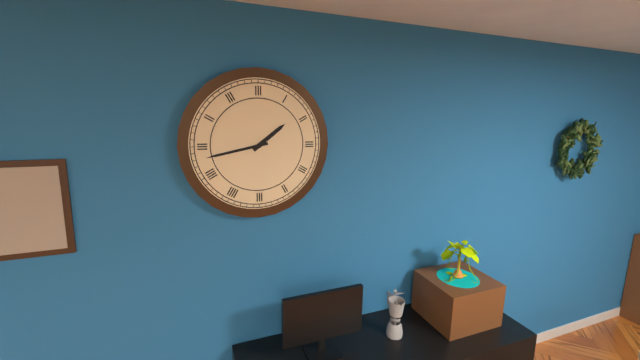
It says h=1 m=43
